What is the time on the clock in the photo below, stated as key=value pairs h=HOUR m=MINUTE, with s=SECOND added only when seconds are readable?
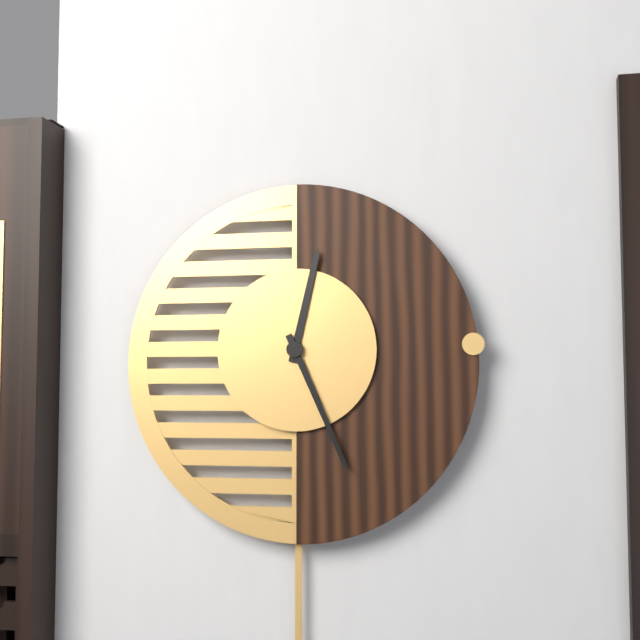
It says h=12 m=26
